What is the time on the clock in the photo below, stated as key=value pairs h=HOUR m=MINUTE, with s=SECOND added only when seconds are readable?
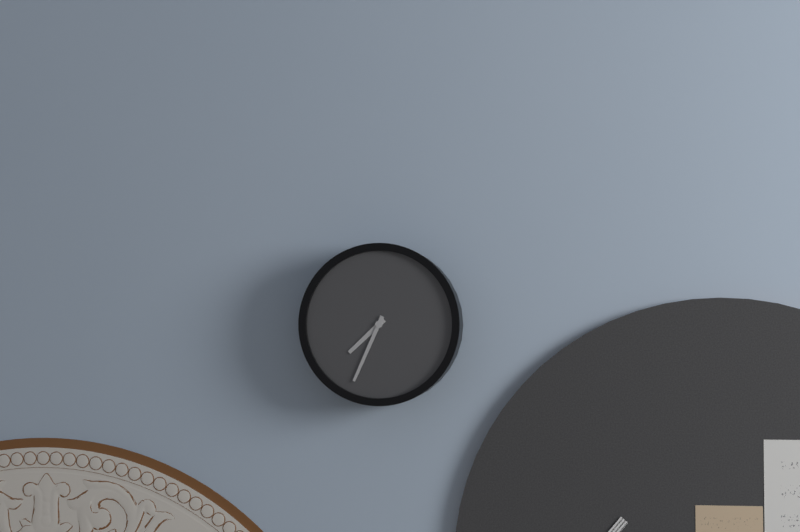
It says h=7 m=34
